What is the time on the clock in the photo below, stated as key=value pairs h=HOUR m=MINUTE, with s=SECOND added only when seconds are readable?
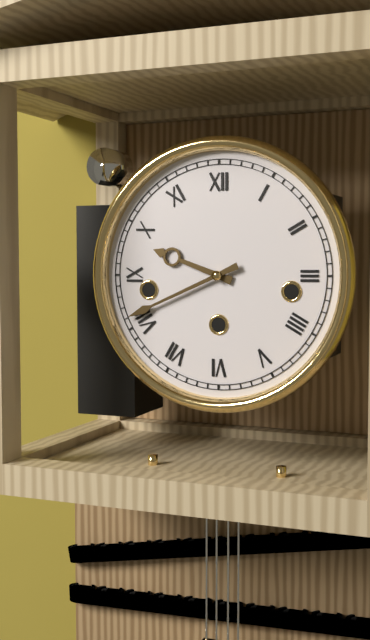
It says h=9 m=41
